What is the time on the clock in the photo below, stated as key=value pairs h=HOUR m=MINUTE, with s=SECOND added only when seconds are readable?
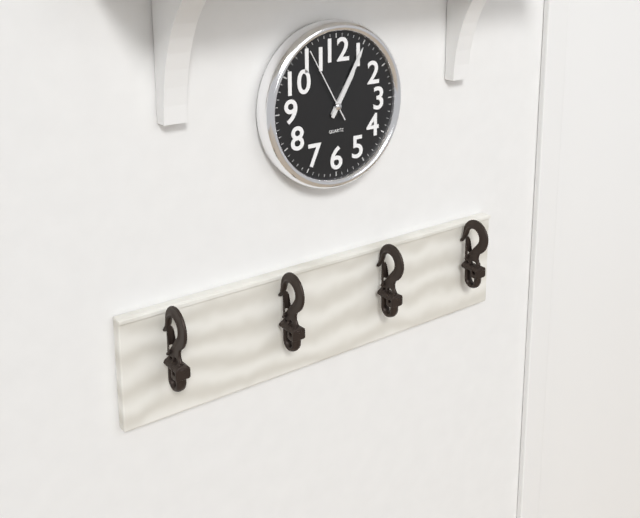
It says h=1 m=5 s=55
